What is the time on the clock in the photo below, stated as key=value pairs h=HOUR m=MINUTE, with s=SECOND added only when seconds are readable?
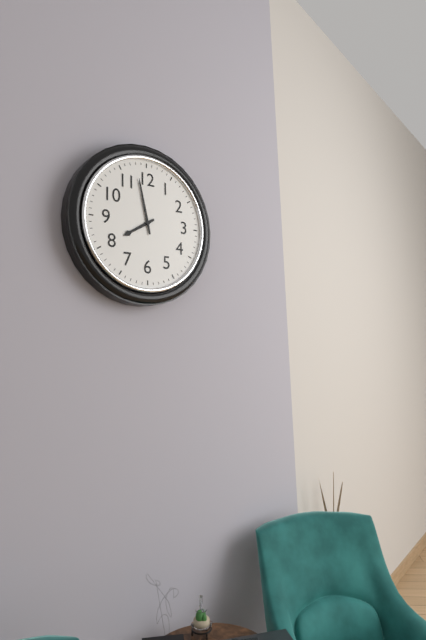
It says h=7 m=58
